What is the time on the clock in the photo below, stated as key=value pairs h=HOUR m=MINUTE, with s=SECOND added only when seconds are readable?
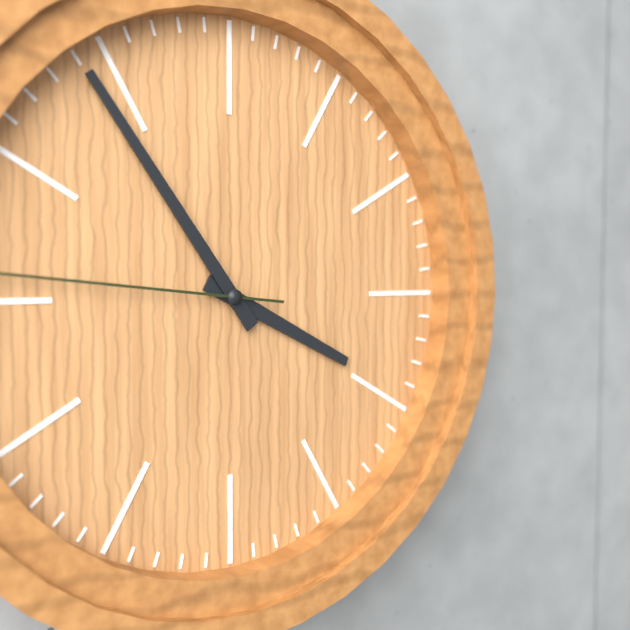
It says h=3 m=54
